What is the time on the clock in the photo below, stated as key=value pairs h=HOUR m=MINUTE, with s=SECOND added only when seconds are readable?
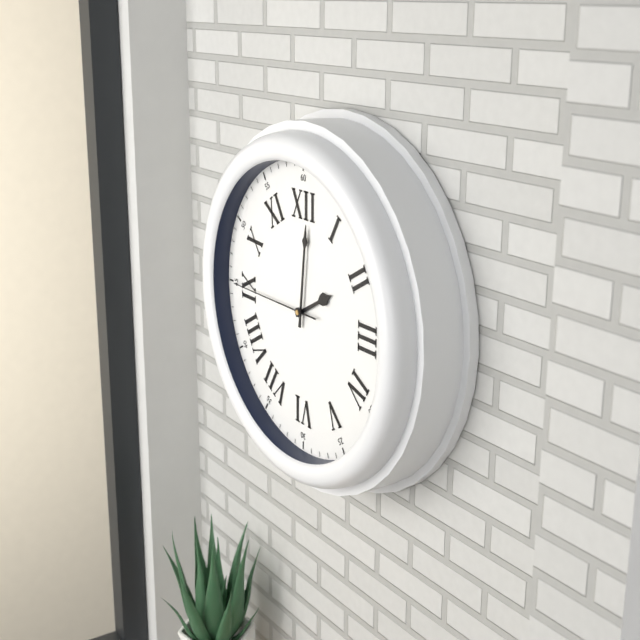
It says h=2 m=1 s=45
